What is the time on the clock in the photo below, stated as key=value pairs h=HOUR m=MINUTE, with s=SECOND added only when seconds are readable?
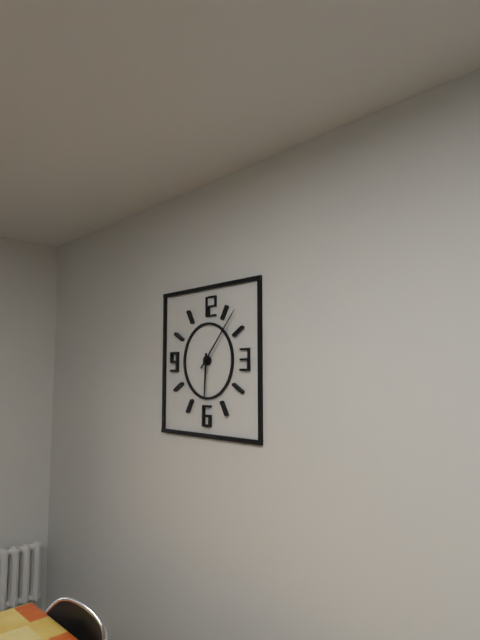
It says h=6 m=7
